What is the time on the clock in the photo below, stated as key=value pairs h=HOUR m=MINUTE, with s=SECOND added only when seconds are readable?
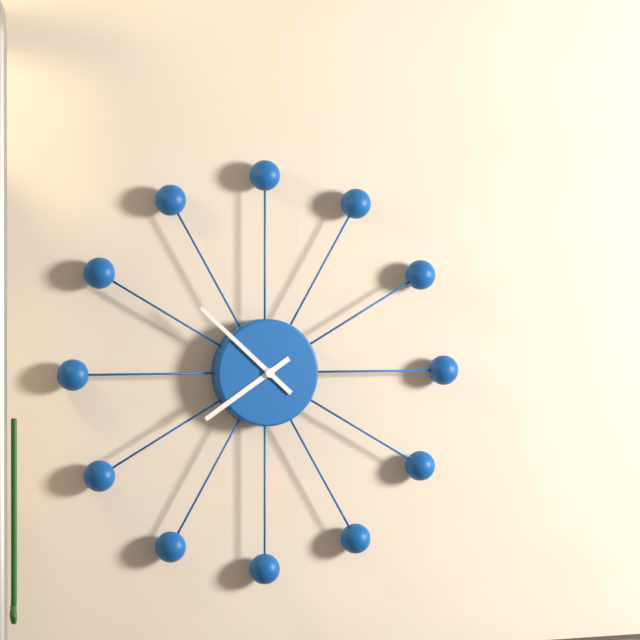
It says h=7 m=52
